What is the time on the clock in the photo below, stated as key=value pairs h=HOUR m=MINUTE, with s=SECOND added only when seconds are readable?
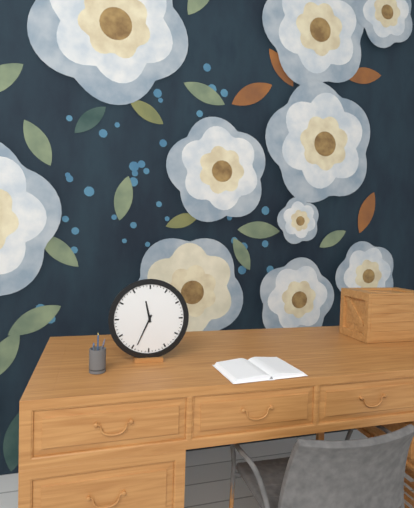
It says h=11 m=34
